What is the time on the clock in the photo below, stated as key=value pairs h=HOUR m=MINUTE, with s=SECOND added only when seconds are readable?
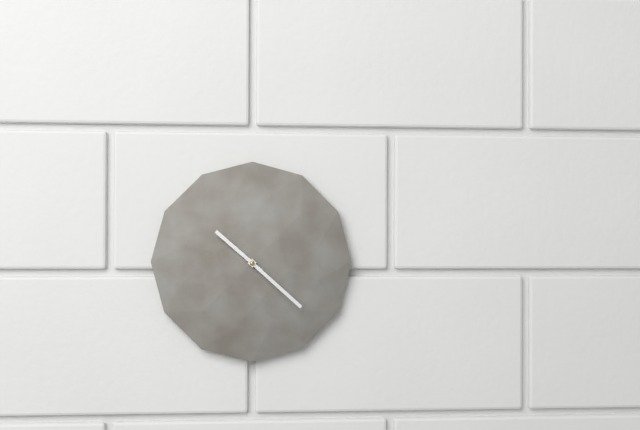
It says h=10 m=22
